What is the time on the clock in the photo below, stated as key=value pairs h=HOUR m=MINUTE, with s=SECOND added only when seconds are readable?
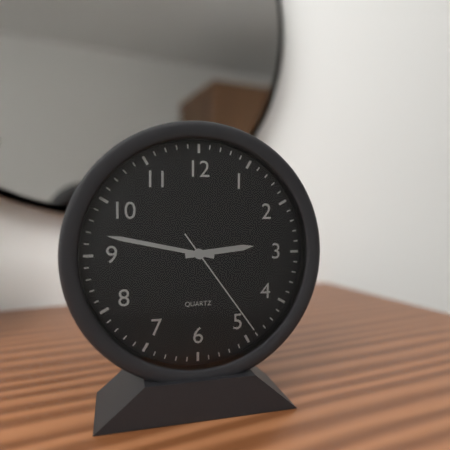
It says h=2 m=47 s=24
